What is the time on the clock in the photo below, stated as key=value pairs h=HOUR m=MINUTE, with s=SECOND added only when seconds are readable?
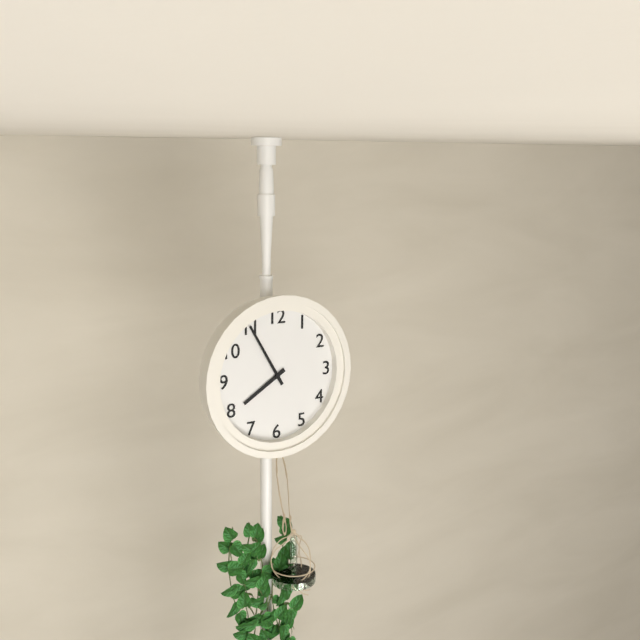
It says h=7 m=55
